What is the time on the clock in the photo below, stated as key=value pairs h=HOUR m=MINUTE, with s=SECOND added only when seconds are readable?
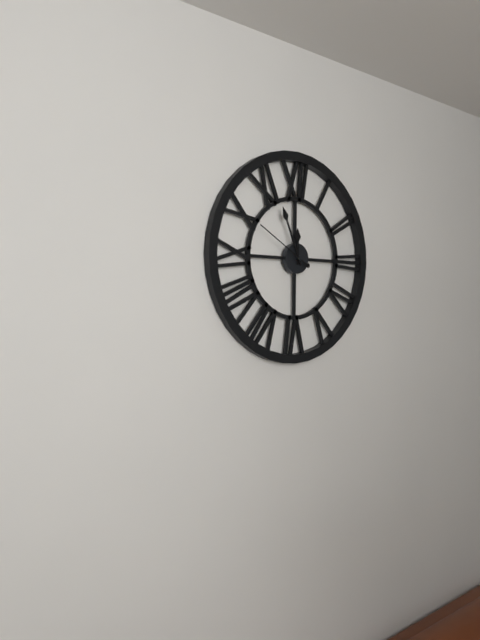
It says h=11 m=56 s=50
